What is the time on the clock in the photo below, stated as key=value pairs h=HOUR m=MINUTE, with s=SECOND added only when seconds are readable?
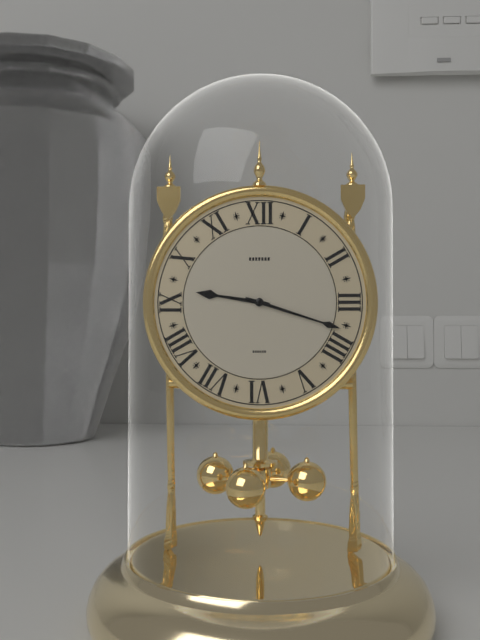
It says h=9 m=18
